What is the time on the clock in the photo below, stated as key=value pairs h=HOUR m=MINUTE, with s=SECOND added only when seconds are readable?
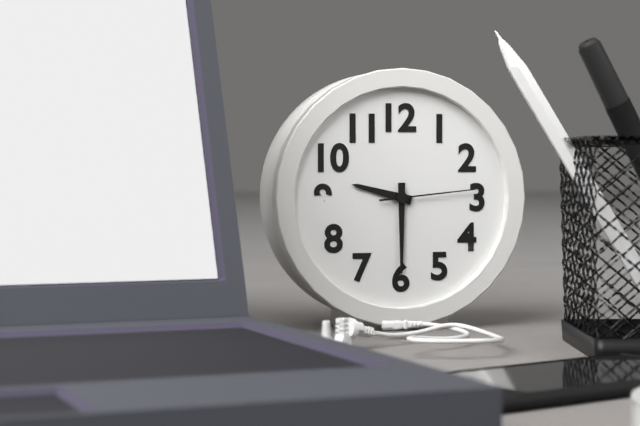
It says h=9 m=30 s=14
